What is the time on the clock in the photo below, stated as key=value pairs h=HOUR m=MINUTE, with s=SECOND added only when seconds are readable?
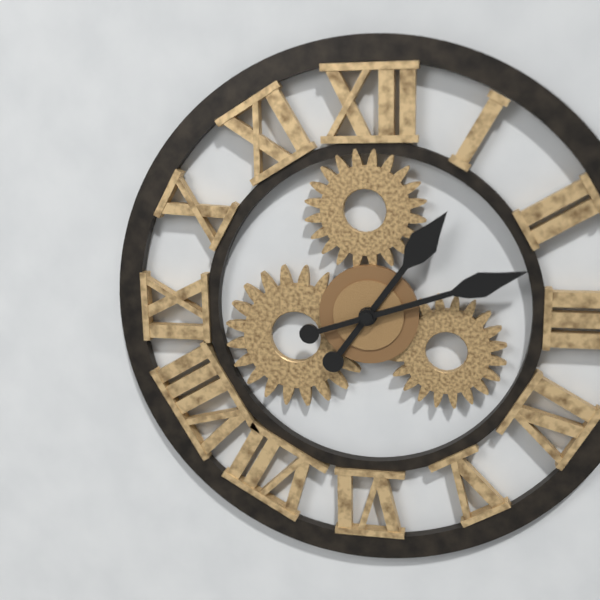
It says h=1 m=12
